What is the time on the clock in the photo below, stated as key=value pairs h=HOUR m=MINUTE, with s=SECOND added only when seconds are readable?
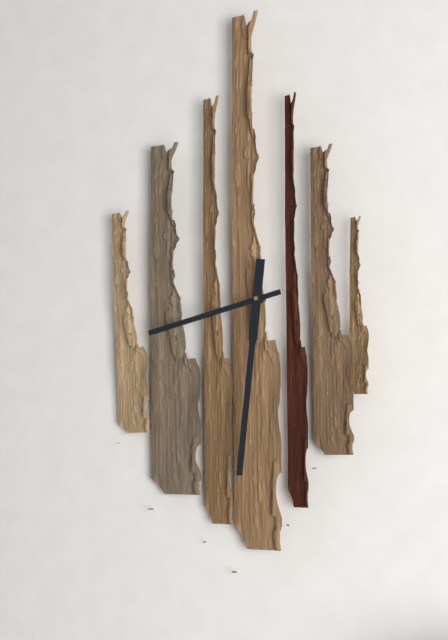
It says h=8 m=31
